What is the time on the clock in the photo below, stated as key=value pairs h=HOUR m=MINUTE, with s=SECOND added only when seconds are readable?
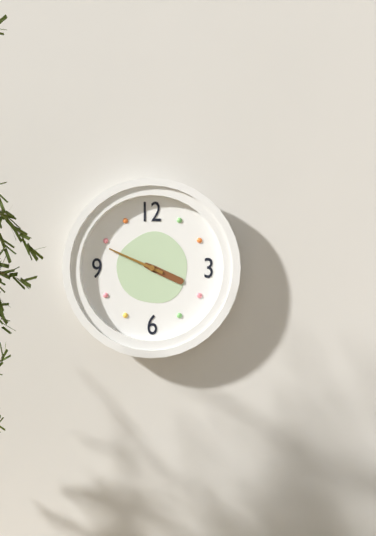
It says h=3 m=49
